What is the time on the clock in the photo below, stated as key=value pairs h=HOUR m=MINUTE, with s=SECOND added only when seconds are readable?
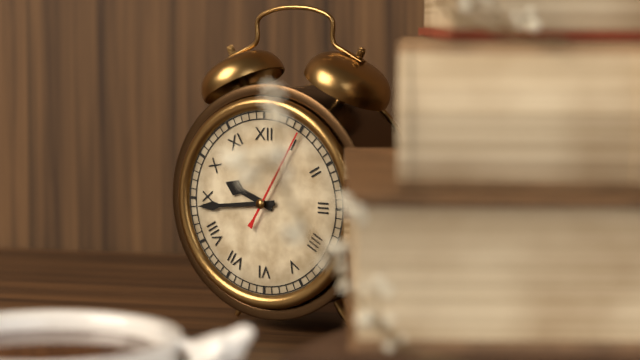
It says h=9 m=44 s=5
